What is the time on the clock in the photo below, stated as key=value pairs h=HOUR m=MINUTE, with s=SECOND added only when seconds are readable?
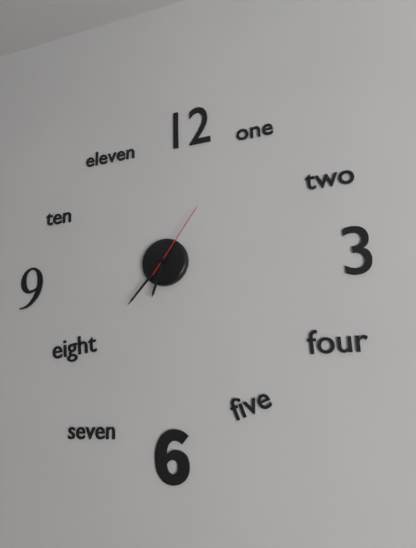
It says h=6 m=37 s=6
